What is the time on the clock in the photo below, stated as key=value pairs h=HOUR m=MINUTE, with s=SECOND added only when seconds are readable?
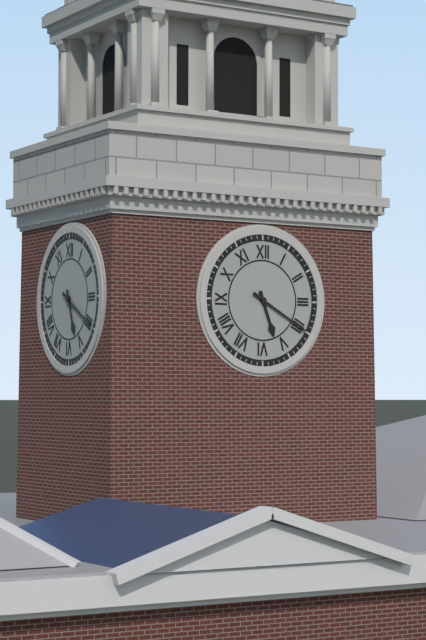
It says h=5 m=20
